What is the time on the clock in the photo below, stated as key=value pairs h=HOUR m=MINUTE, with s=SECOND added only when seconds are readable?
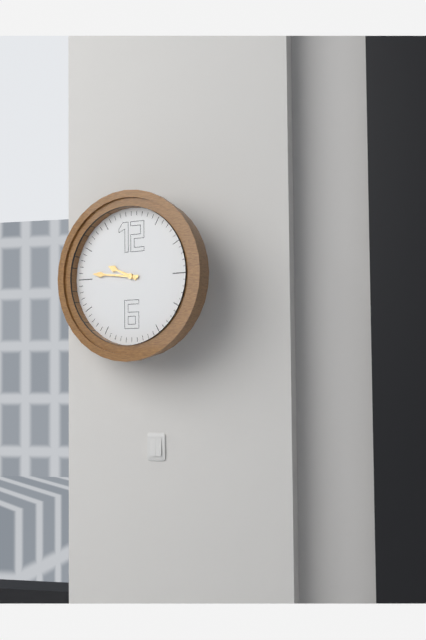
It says h=9 m=46
